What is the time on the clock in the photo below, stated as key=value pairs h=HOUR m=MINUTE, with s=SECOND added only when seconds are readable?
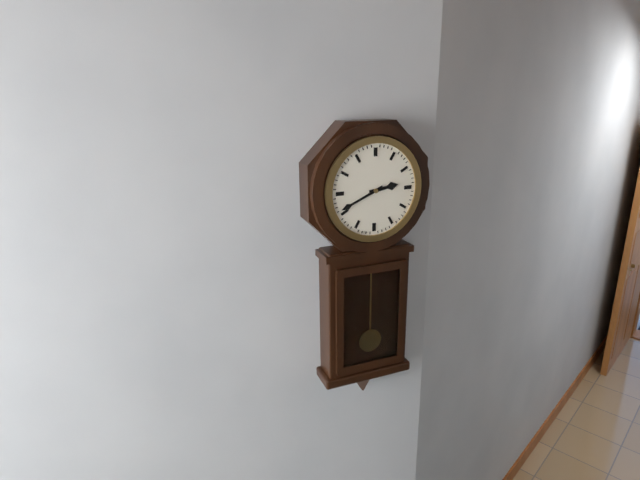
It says h=2 m=41
